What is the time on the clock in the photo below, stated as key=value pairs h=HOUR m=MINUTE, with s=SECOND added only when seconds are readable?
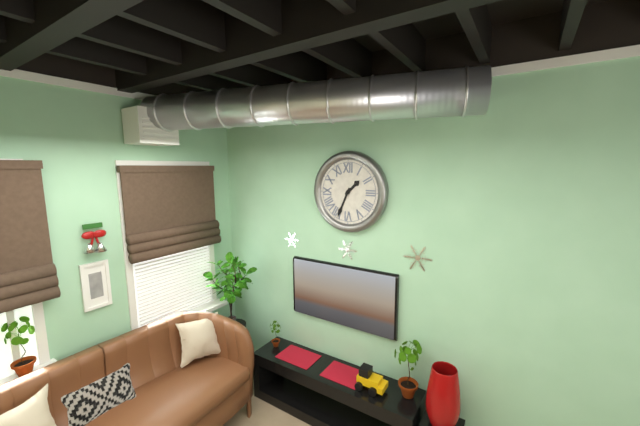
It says h=1 m=34
